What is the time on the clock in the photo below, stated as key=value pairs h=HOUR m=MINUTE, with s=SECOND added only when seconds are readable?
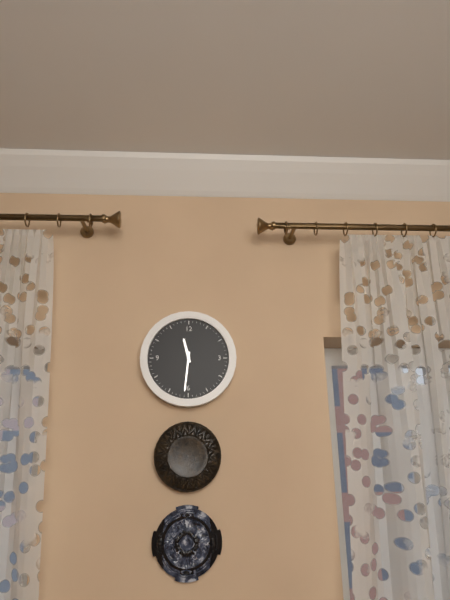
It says h=11 m=31
